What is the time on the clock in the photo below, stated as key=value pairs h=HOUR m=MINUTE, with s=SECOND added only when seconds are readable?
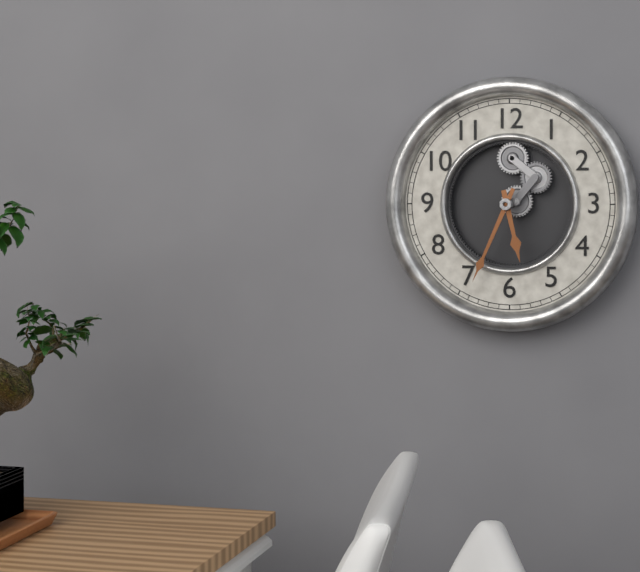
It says h=5 m=34
